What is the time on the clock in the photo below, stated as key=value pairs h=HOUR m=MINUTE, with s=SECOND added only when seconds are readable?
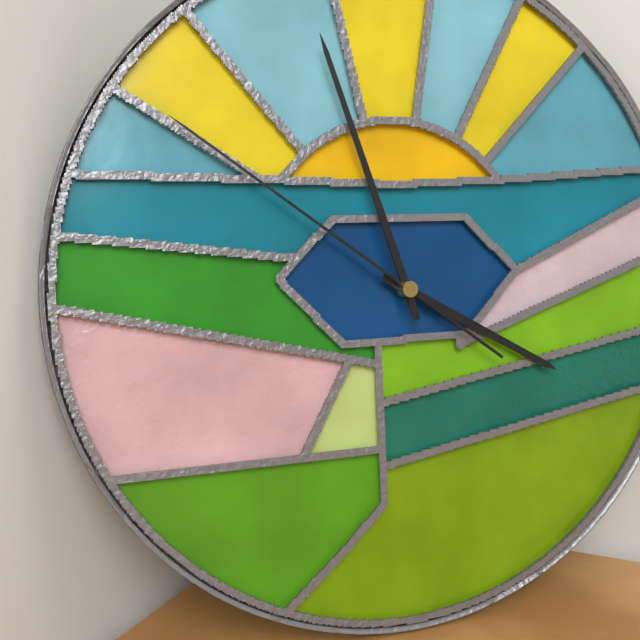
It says h=3 m=57 s=51
